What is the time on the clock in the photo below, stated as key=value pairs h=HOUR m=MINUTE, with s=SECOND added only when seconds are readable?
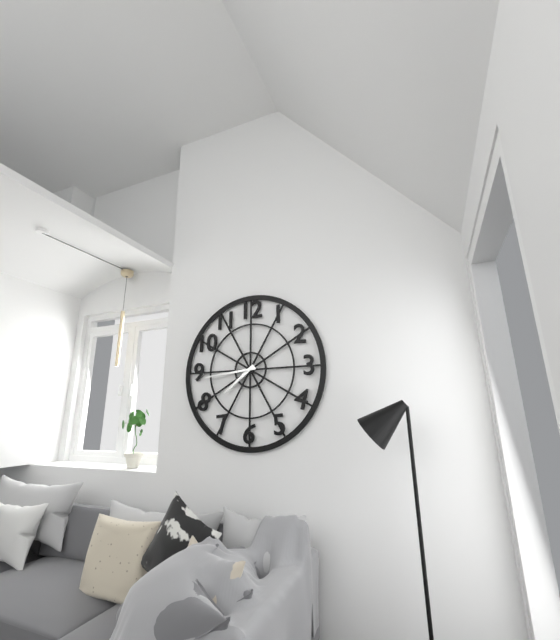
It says h=7 m=44
